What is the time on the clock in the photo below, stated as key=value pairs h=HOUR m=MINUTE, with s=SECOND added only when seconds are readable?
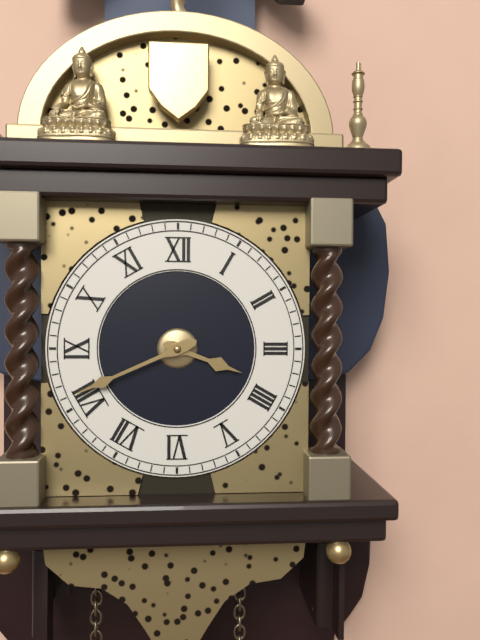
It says h=3 m=41
